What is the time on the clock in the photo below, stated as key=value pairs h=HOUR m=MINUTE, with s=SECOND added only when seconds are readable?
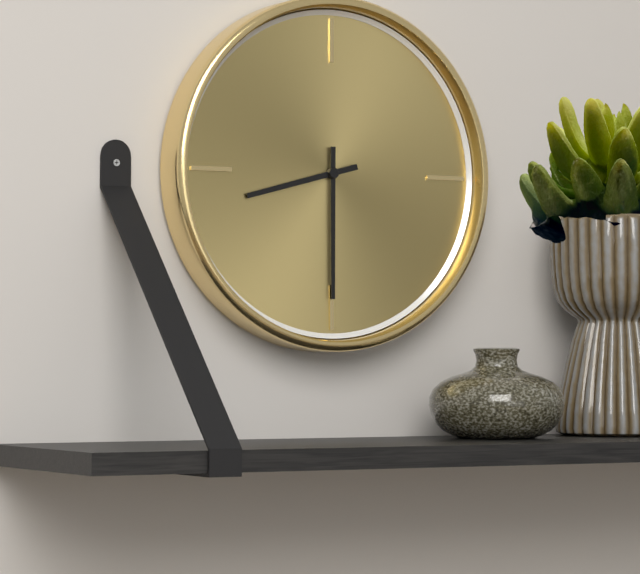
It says h=8 m=30
